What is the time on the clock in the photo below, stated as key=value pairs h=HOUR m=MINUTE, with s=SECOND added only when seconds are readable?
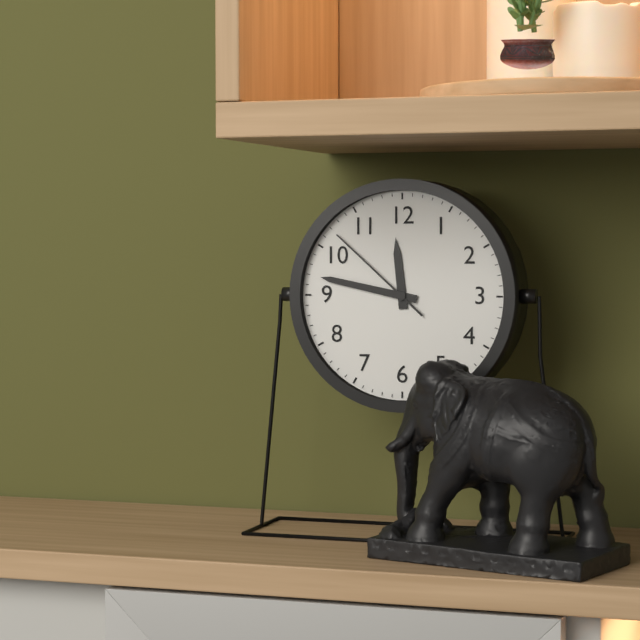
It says h=11 m=47 s=52
